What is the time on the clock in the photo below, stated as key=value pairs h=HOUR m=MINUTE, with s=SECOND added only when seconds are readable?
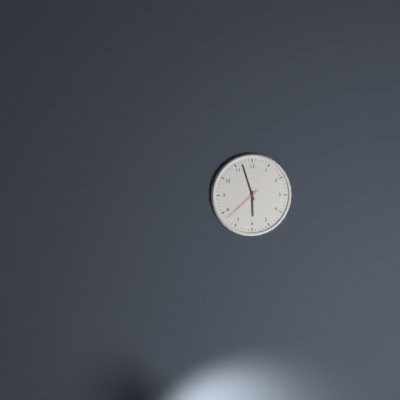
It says h=5 m=57
